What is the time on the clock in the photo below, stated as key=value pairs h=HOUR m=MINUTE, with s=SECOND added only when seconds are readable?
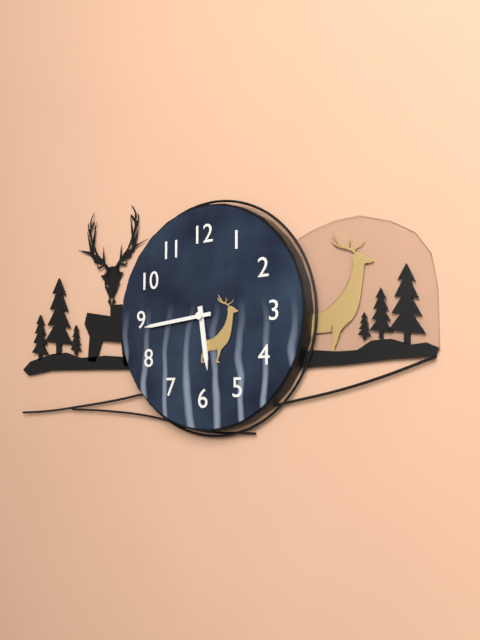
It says h=5 m=44
